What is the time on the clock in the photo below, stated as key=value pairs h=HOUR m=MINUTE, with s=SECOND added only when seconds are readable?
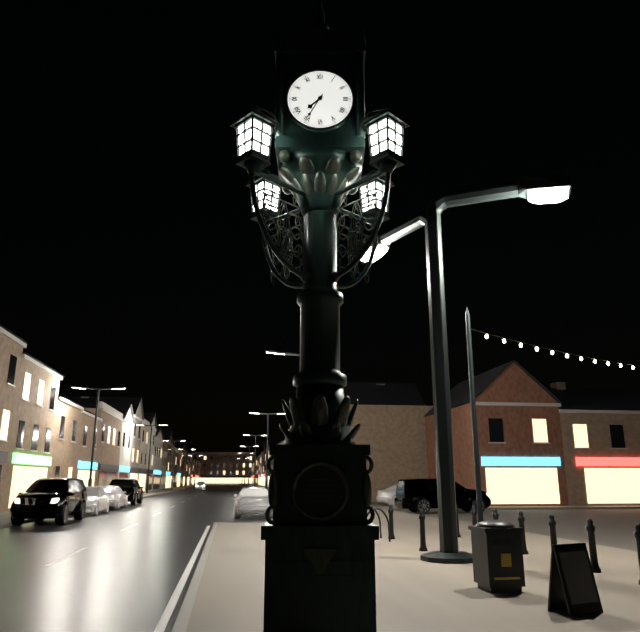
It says h=7 m=35
